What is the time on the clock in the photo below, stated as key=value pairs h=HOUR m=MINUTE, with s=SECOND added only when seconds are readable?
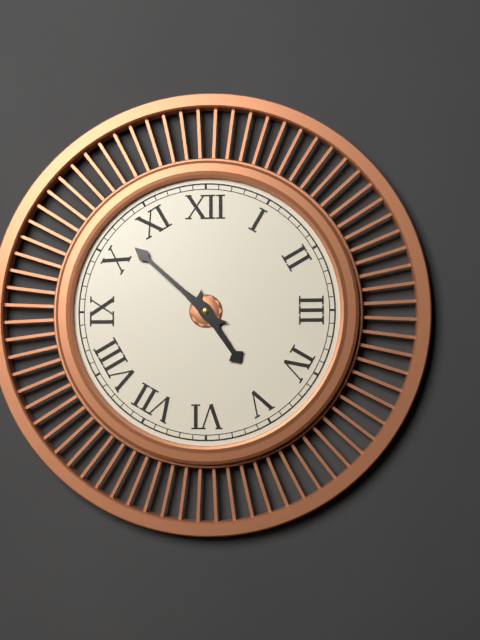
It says h=4 m=52
